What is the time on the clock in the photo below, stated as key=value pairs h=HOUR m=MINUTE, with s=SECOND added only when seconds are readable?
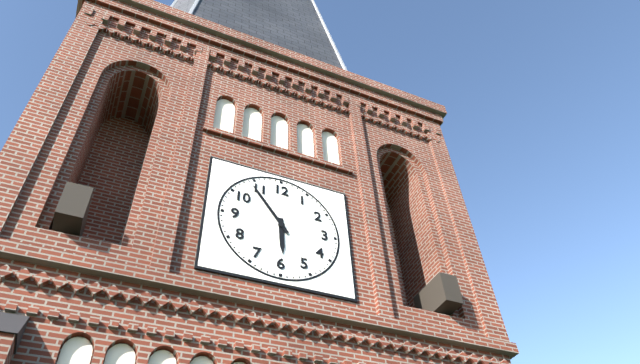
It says h=5 m=54
